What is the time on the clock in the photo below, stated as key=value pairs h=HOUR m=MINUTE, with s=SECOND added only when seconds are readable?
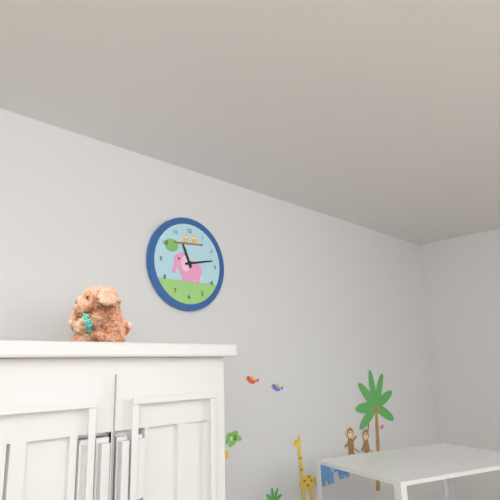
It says h=11 m=13
